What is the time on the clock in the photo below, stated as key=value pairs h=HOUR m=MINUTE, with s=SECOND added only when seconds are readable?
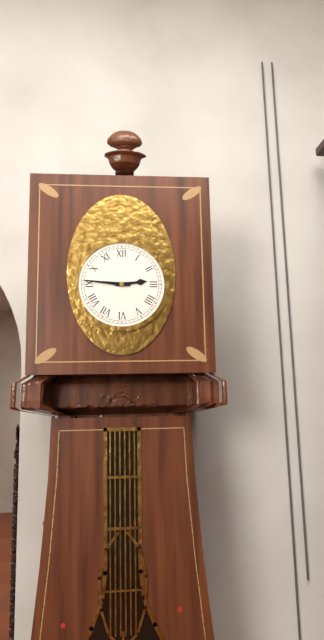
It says h=2 m=46
